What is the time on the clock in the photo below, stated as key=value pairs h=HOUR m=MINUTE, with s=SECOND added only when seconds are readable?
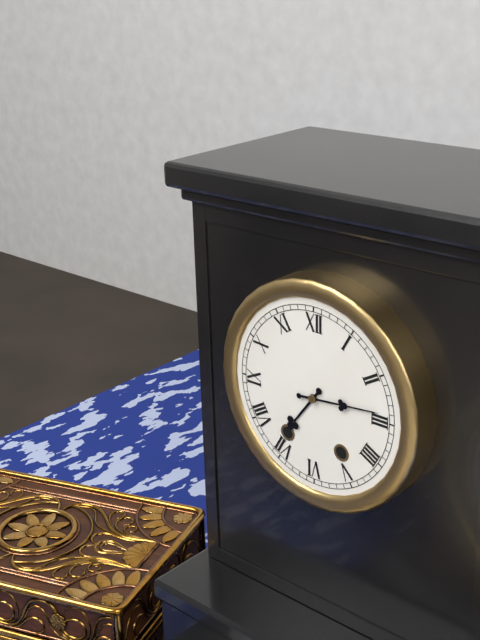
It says h=7 m=14
